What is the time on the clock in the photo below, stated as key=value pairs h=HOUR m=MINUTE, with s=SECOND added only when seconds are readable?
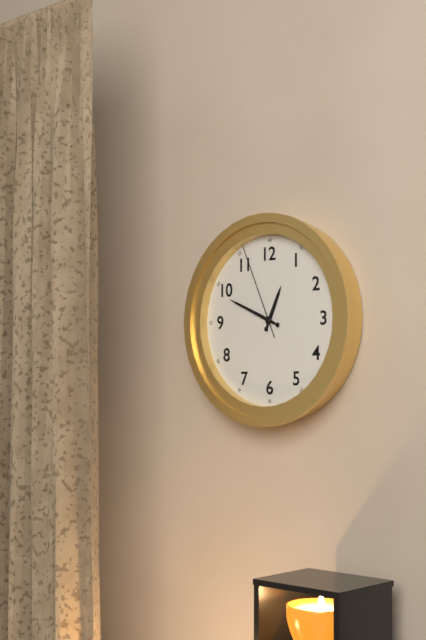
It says h=12 m=49 s=56
